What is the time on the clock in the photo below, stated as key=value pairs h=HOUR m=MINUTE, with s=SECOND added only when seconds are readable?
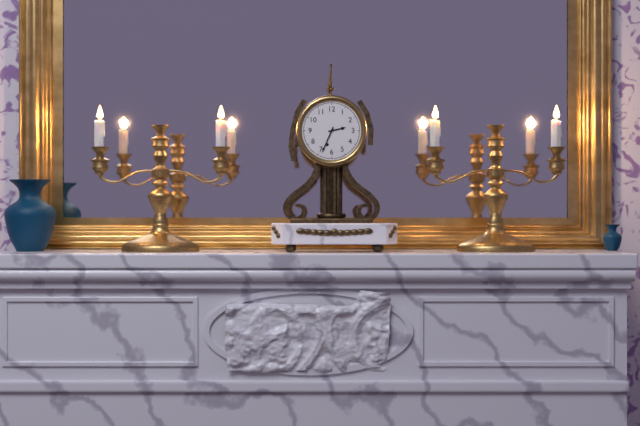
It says h=2 m=34
